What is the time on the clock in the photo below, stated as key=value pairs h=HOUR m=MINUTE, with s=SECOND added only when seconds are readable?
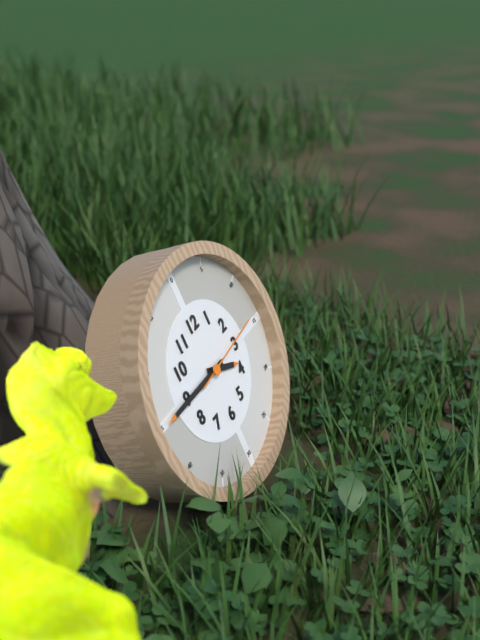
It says h=3 m=45 s=14
